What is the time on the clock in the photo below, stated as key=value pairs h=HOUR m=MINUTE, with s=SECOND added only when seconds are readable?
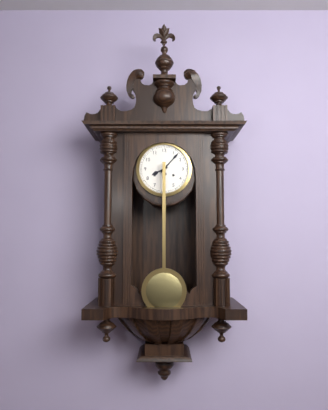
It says h=8 m=7
